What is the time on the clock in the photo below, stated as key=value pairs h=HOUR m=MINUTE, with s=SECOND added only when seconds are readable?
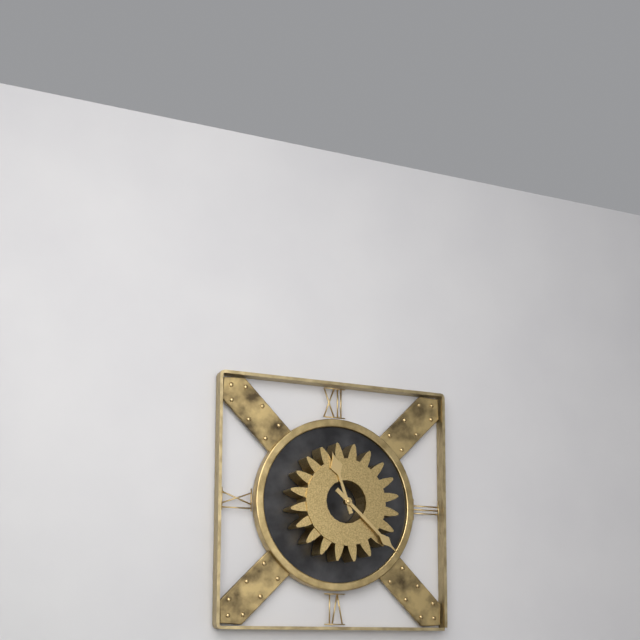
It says h=11 m=22
